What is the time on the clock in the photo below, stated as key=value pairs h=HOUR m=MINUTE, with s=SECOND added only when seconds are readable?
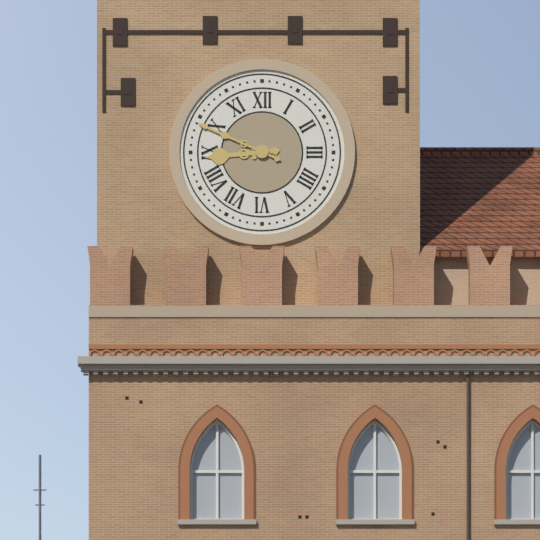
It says h=8 m=49
